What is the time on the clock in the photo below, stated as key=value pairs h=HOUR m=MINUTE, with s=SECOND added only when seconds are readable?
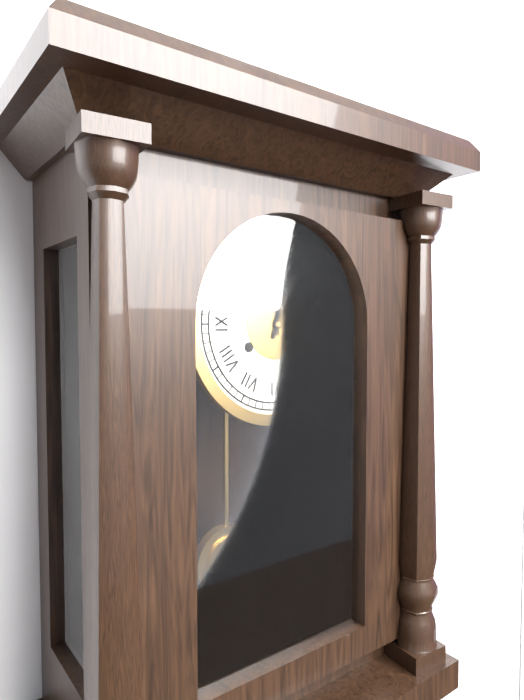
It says h=12 m=4
